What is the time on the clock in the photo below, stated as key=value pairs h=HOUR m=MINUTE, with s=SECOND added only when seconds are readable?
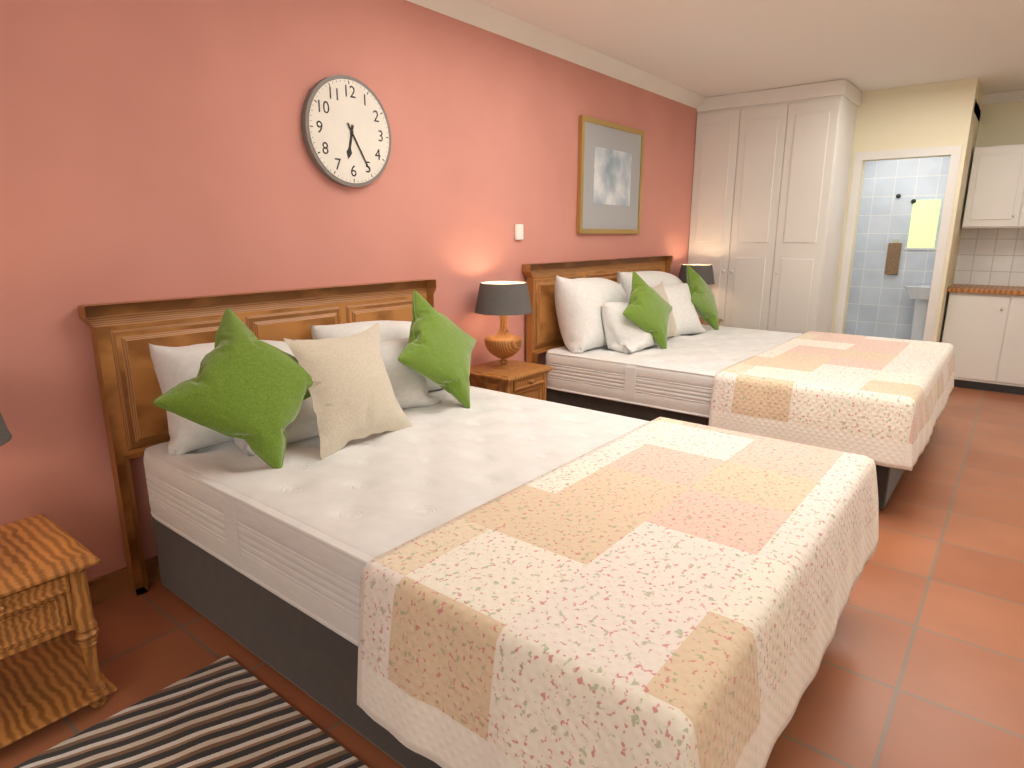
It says h=6 m=25
